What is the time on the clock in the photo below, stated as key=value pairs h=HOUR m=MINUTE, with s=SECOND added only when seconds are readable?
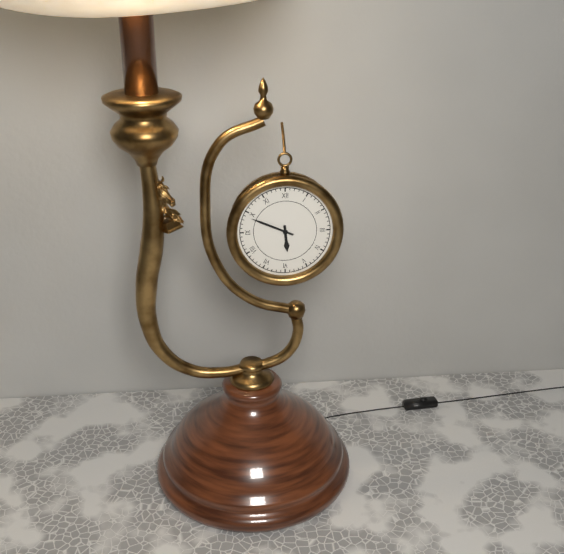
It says h=5 m=49
